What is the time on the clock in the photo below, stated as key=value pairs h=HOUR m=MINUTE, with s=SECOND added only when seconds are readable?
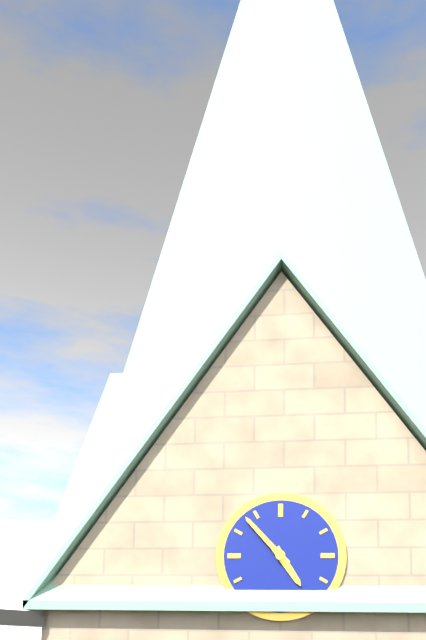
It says h=4 m=53
